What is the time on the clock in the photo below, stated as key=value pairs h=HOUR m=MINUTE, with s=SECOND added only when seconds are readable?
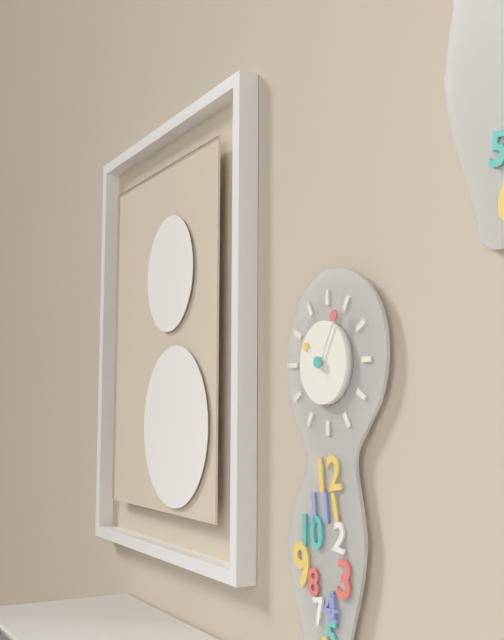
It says h=10 m=5
